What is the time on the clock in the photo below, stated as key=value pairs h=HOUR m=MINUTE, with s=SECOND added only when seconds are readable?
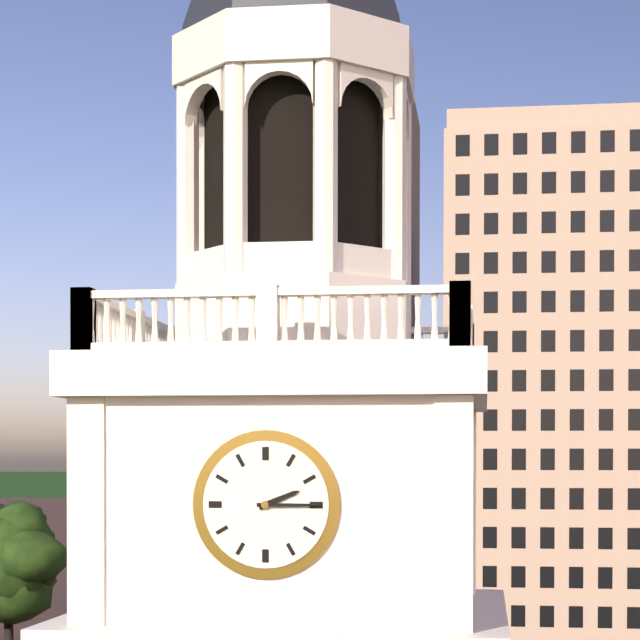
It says h=2 m=15
